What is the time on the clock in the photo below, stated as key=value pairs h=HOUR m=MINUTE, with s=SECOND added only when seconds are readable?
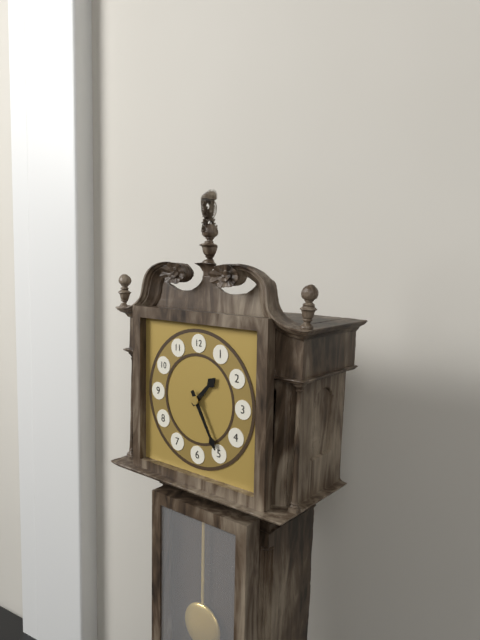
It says h=1 m=25
